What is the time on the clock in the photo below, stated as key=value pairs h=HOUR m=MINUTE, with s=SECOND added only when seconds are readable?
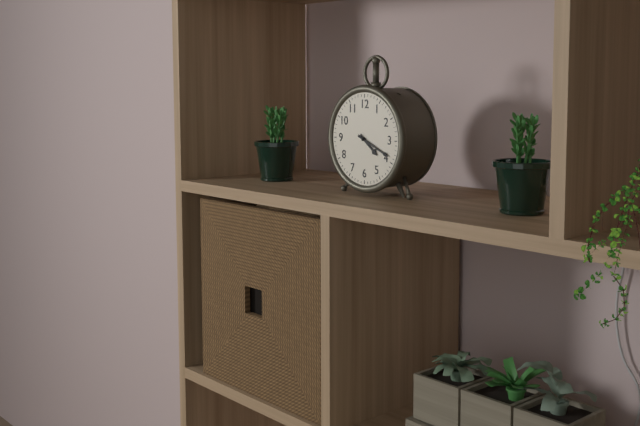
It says h=4 m=19
